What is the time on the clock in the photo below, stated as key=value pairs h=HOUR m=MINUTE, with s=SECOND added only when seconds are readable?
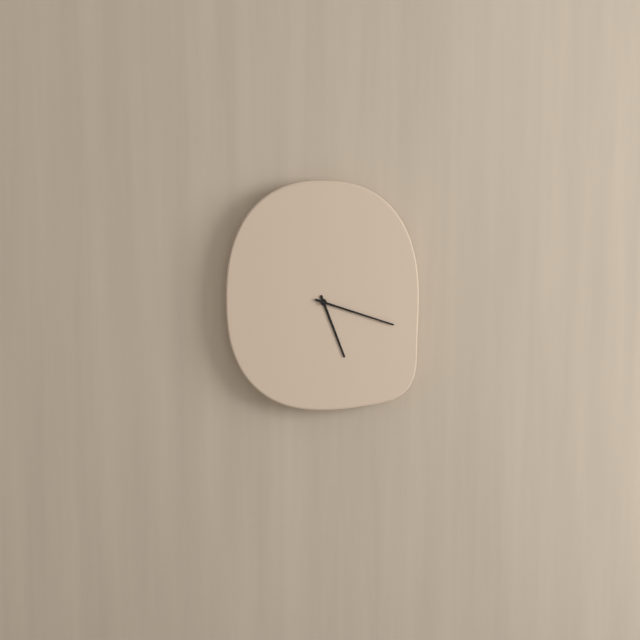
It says h=5 m=18
